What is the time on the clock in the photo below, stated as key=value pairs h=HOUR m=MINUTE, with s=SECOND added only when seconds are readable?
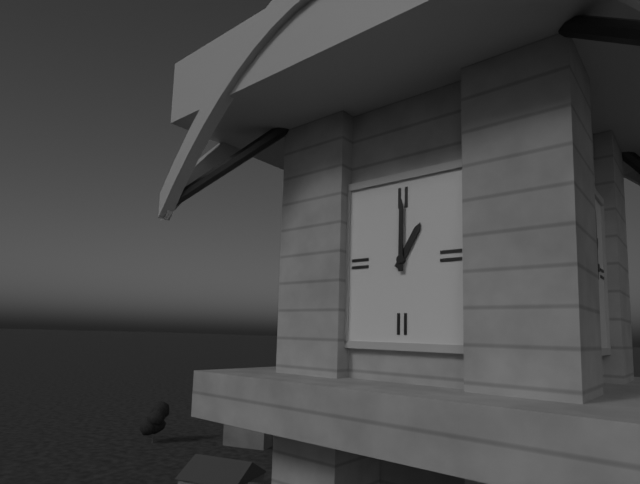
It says h=1 m=0
